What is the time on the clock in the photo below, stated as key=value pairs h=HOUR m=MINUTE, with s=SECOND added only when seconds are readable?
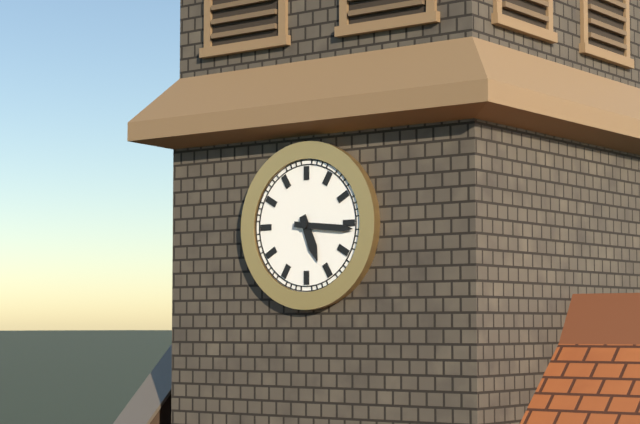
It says h=5 m=16
